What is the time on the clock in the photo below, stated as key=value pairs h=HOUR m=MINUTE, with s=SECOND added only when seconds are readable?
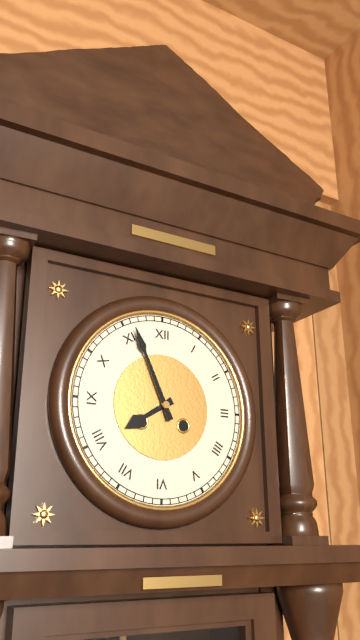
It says h=7 m=56
